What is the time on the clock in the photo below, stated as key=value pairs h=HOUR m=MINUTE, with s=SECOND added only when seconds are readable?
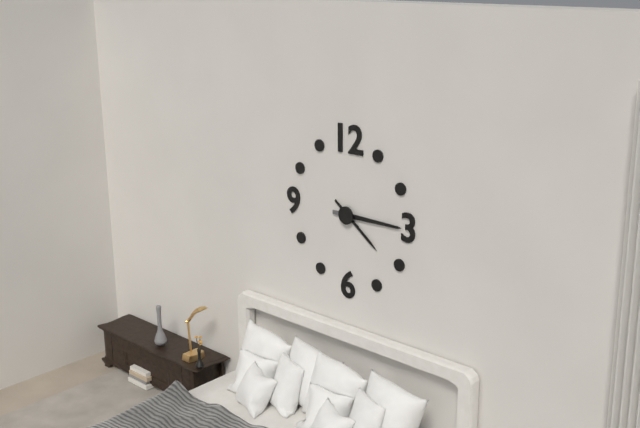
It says h=4 m=15
